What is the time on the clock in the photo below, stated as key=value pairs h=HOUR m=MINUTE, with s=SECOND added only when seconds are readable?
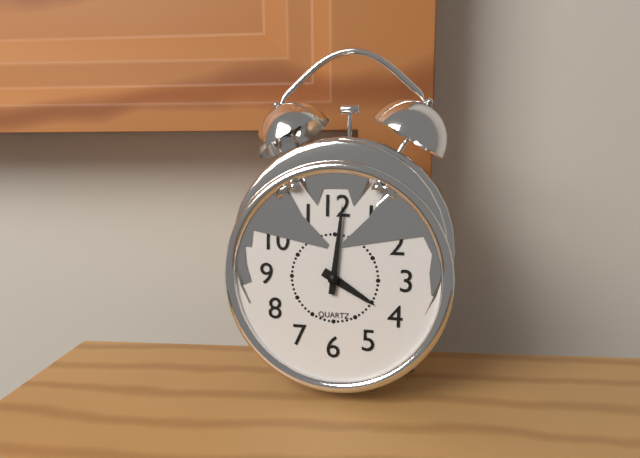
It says h=4 m=1
